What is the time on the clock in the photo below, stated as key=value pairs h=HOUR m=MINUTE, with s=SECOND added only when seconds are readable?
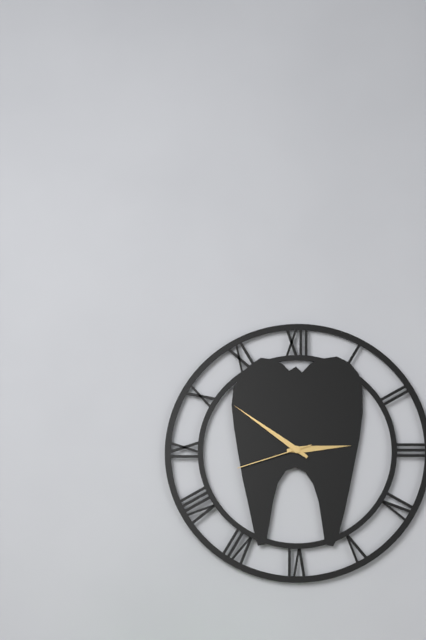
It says h=2 m=51 s=42
